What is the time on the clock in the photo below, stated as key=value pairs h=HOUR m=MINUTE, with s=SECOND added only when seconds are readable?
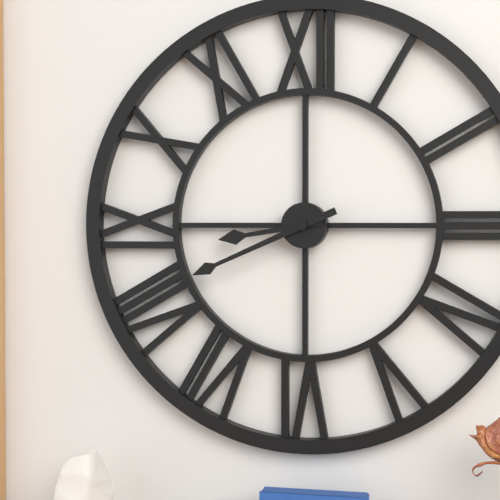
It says h=8 m=41
